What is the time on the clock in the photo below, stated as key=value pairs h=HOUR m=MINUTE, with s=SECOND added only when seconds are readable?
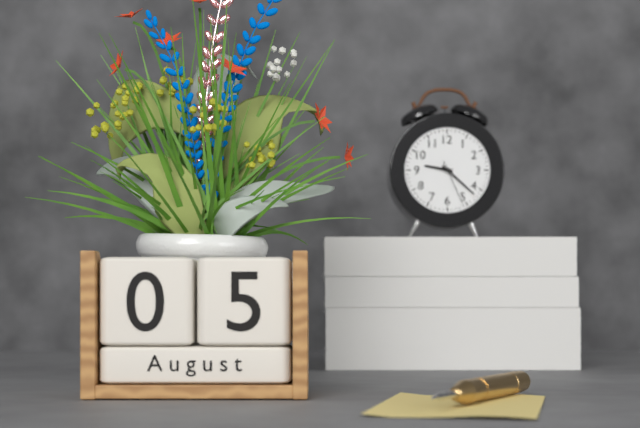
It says h=9 m=22
